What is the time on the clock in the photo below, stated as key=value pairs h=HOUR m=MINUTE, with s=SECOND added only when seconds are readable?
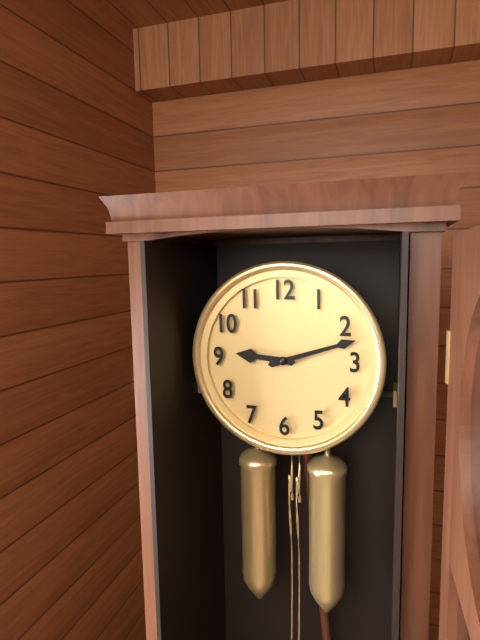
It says h=9 m=12
